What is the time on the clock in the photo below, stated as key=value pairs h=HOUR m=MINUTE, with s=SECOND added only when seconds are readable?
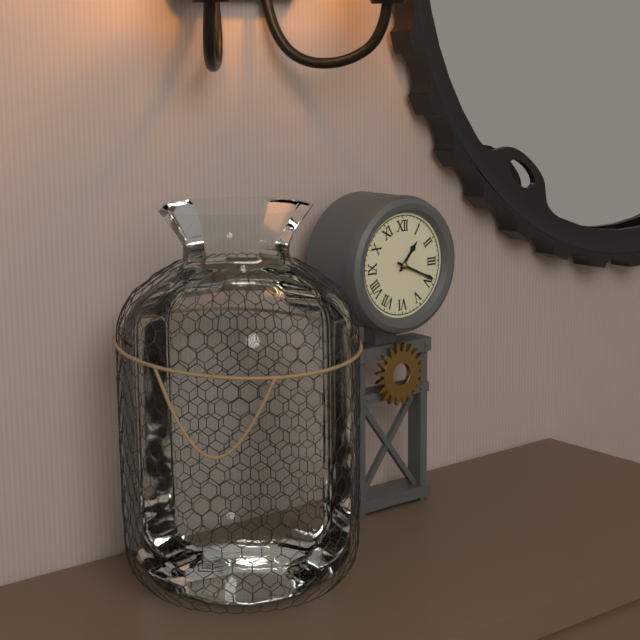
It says h=1 m=19
